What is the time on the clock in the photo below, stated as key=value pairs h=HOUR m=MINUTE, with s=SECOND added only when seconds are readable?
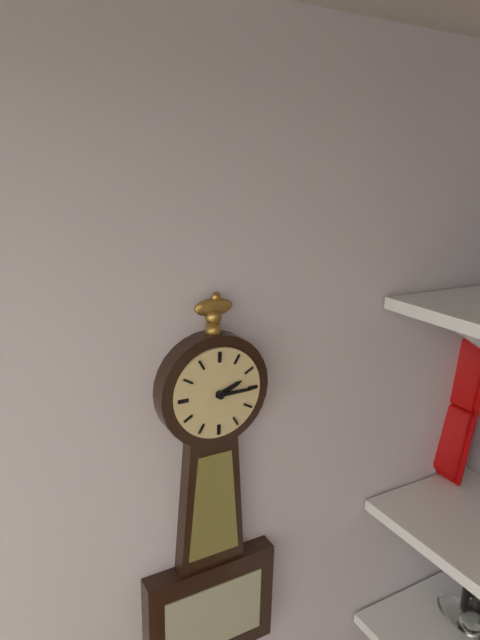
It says h=2 m=15
